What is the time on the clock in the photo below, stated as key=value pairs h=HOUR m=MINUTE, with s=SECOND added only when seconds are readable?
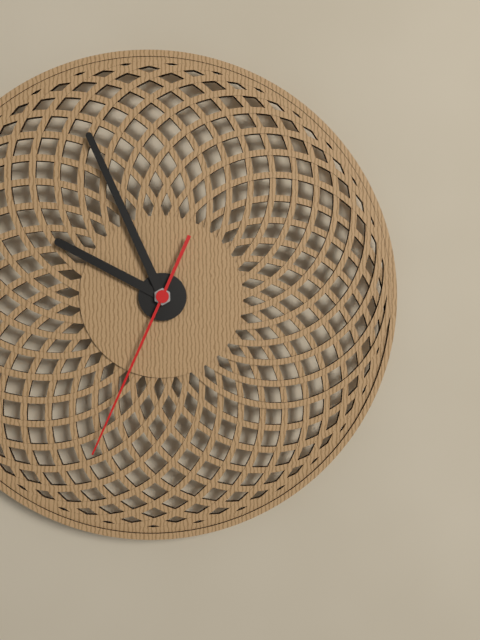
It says h=9 m=56 s=34
